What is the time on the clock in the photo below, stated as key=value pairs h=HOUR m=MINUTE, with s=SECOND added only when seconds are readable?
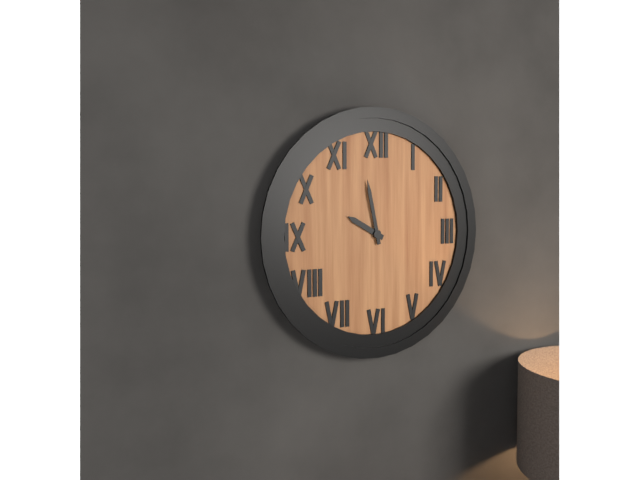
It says h=9 m=58
